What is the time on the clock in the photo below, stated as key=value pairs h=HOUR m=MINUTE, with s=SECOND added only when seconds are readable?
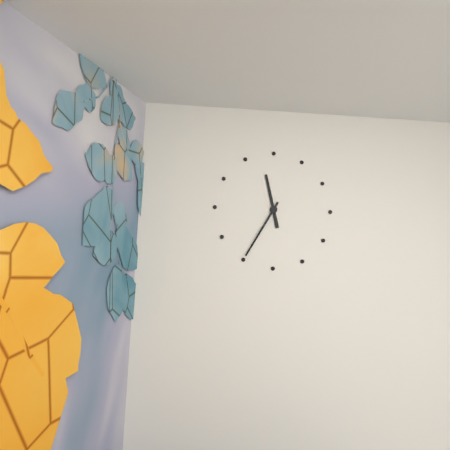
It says h=11 m=35
